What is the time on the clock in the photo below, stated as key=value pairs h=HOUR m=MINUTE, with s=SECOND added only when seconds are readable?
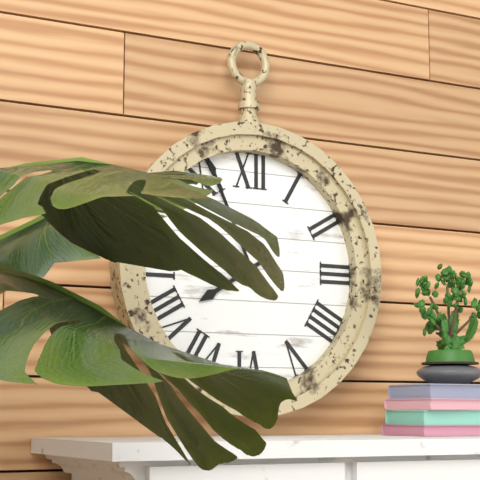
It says h=7 m=56
